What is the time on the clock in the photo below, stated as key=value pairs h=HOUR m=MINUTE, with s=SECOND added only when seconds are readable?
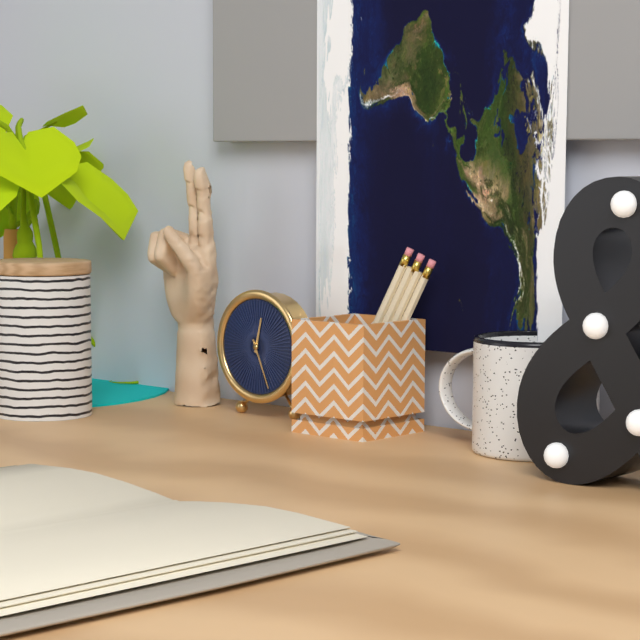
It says h=12 m=26
